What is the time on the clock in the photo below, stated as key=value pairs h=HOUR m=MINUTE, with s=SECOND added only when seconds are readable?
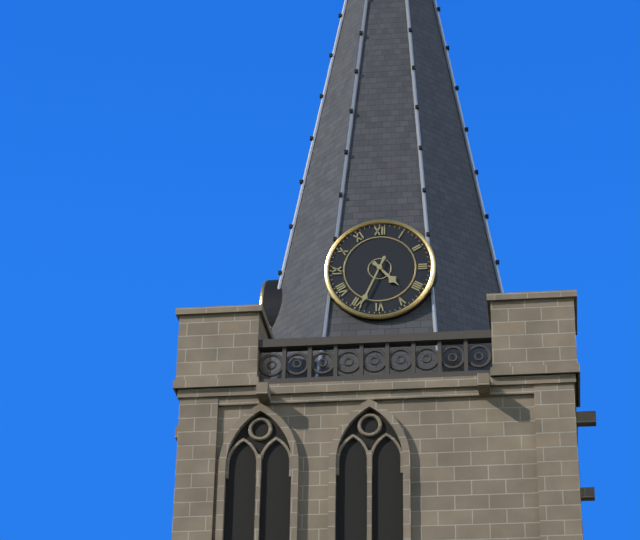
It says h=4 m=34
